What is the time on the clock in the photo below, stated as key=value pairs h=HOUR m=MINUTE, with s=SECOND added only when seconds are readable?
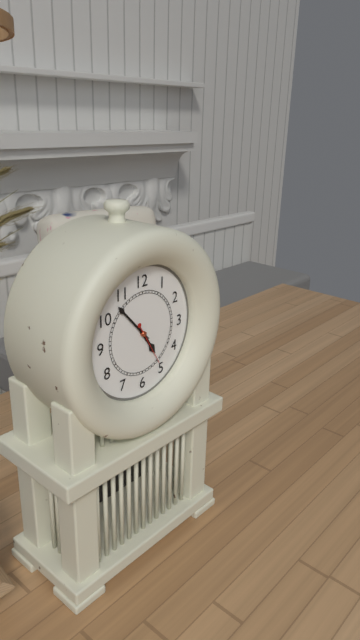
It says h=4 m=53
